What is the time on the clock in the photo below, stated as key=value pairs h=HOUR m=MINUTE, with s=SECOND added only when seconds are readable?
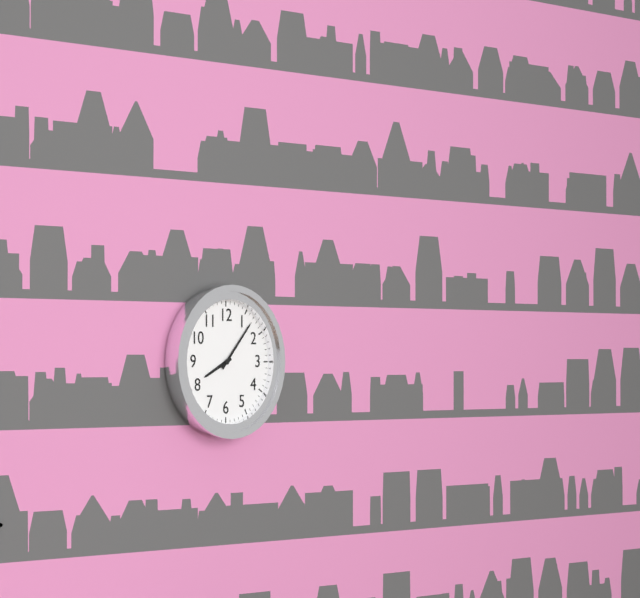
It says h=8 m=7
